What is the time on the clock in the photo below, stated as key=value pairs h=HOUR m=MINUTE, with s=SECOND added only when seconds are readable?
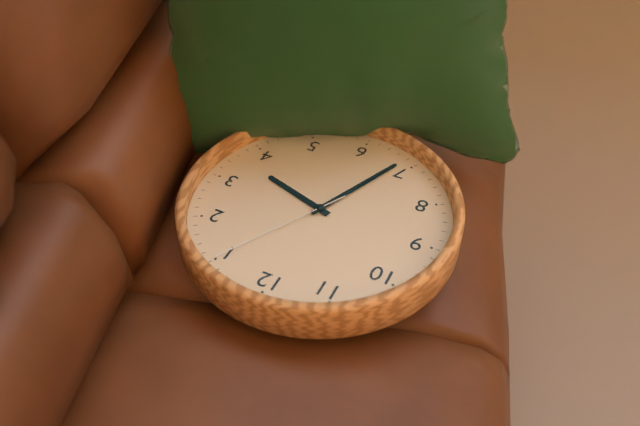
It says h=3 m=34 s=5
